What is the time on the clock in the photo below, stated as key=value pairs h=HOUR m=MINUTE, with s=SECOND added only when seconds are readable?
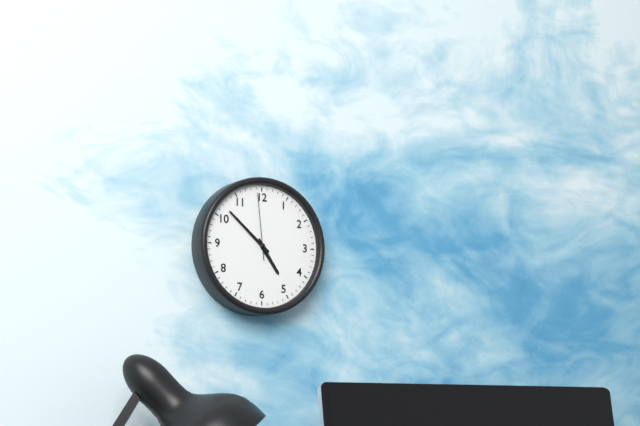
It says h=4 m=52 s=59
